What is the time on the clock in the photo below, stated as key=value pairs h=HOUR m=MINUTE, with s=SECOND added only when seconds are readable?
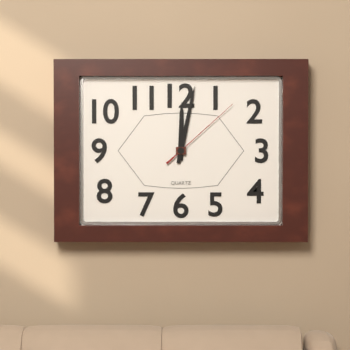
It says h=12 m=2 s=8
